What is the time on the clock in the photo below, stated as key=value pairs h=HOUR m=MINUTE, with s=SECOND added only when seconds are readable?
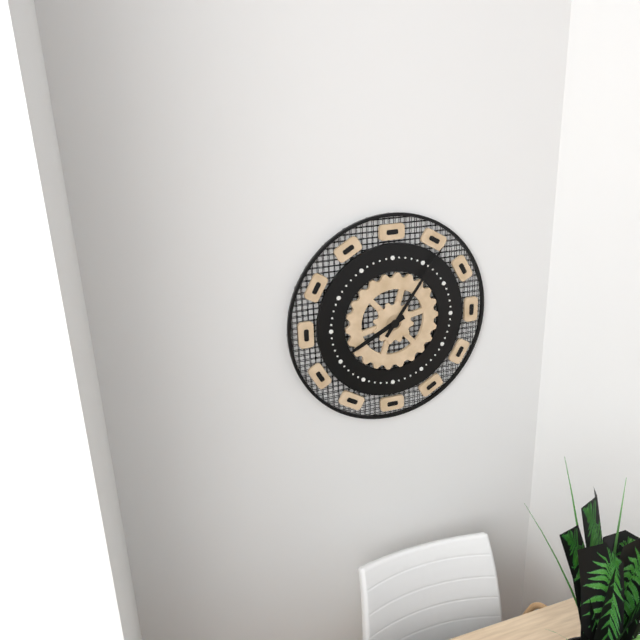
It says h=8 m=6
